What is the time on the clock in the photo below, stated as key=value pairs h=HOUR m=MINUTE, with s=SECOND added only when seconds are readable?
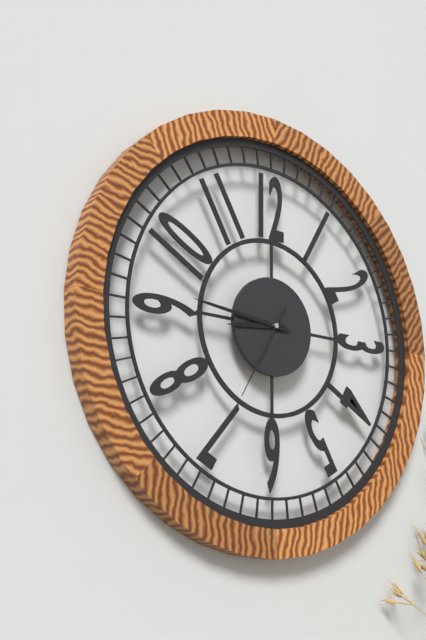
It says h=8 m=46 s=35
